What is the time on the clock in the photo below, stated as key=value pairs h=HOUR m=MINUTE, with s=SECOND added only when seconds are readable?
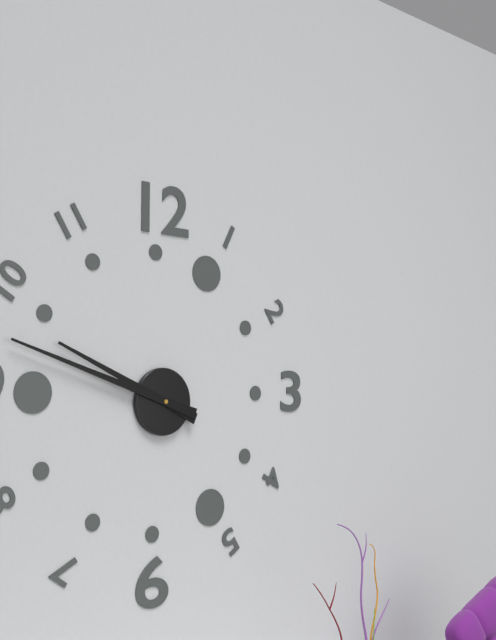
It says h=9 m=48
